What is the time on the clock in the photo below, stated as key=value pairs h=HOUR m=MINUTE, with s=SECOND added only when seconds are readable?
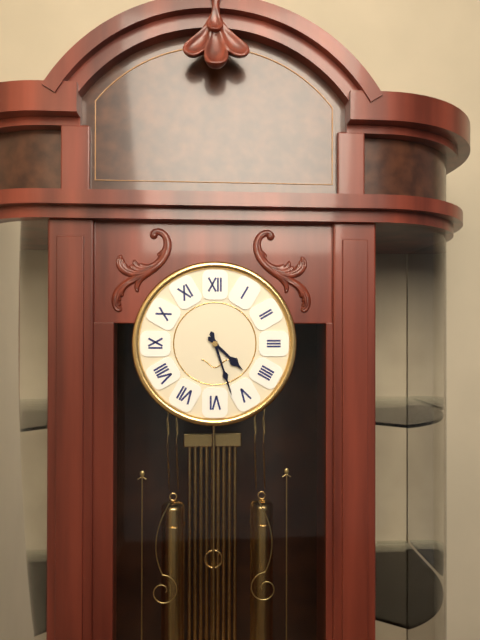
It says h=4 m=27
